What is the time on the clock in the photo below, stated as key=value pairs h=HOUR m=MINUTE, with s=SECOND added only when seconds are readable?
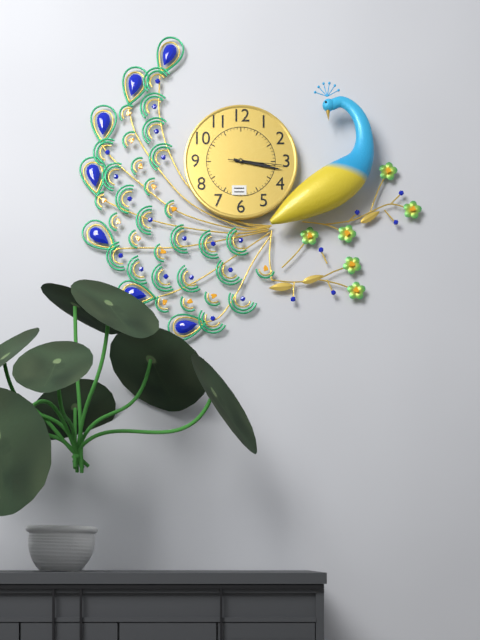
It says h=3 m=17 s=16
